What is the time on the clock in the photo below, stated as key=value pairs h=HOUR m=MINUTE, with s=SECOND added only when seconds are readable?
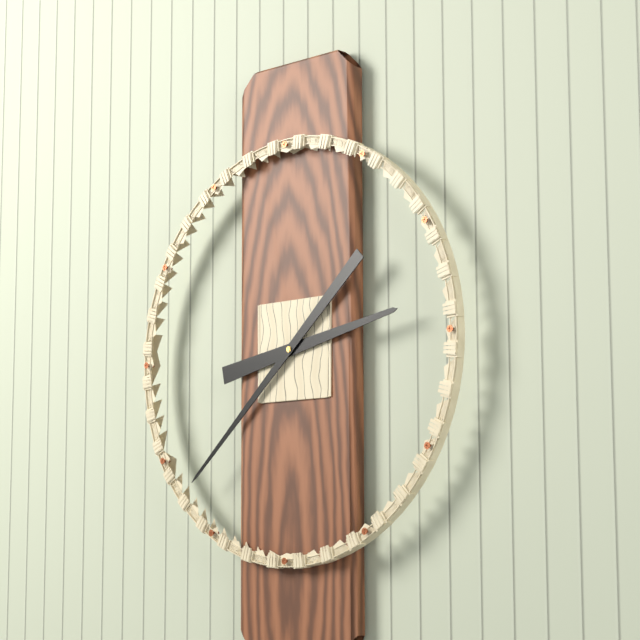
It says h=2 m=38
